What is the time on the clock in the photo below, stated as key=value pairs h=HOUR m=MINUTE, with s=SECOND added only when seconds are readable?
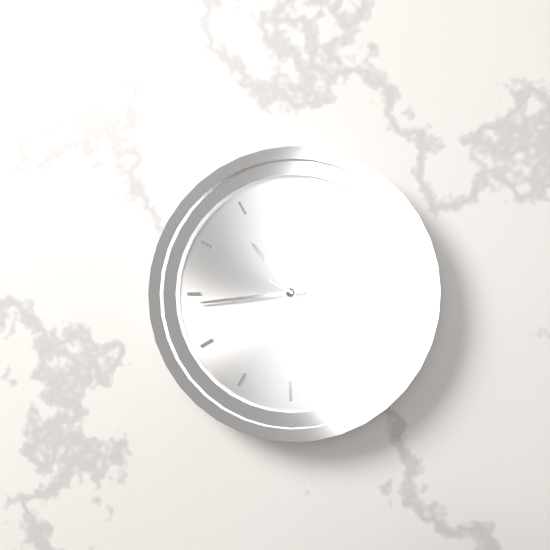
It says h=10 m=44 s=20
